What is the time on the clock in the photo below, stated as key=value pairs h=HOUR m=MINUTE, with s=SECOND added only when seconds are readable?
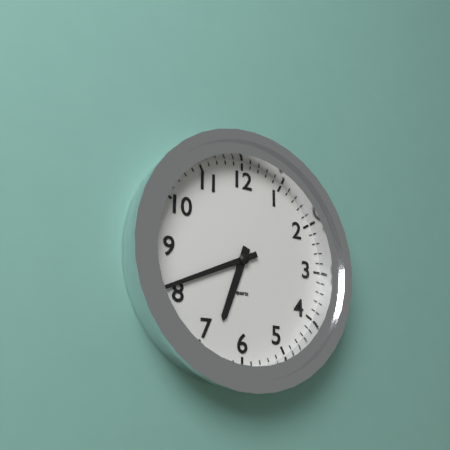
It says h=6 m=41
